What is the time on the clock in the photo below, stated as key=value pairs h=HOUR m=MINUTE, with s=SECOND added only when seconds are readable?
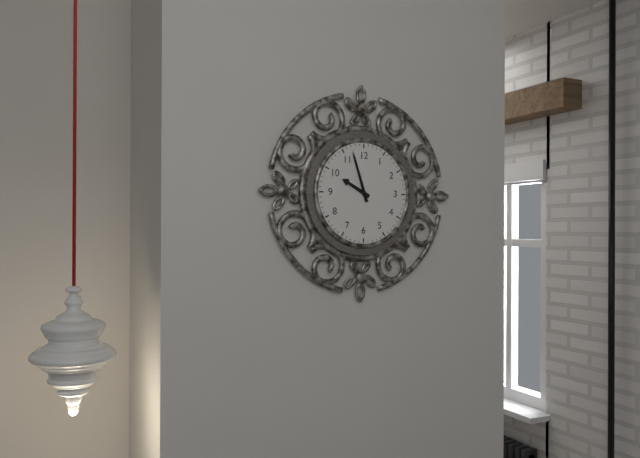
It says h=9 m=57
